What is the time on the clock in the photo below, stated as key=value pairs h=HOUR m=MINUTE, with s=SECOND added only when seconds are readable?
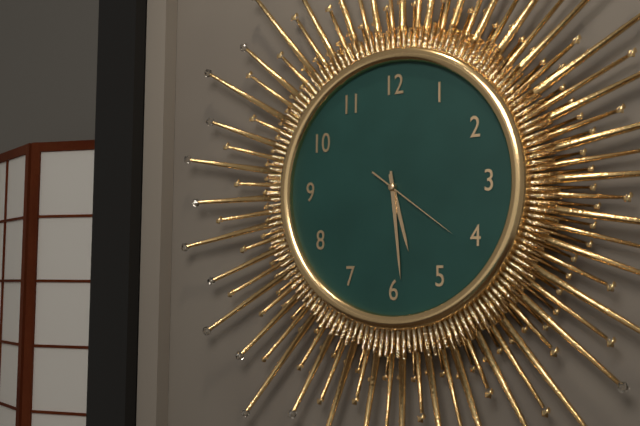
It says h=5 m=29 s=21
